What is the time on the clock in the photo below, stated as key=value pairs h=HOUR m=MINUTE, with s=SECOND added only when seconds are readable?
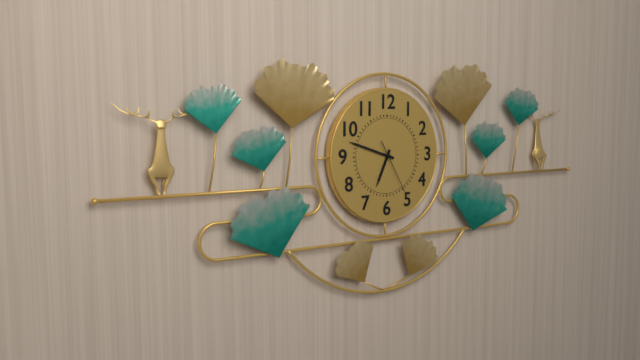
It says h=6 m=48 s=25
